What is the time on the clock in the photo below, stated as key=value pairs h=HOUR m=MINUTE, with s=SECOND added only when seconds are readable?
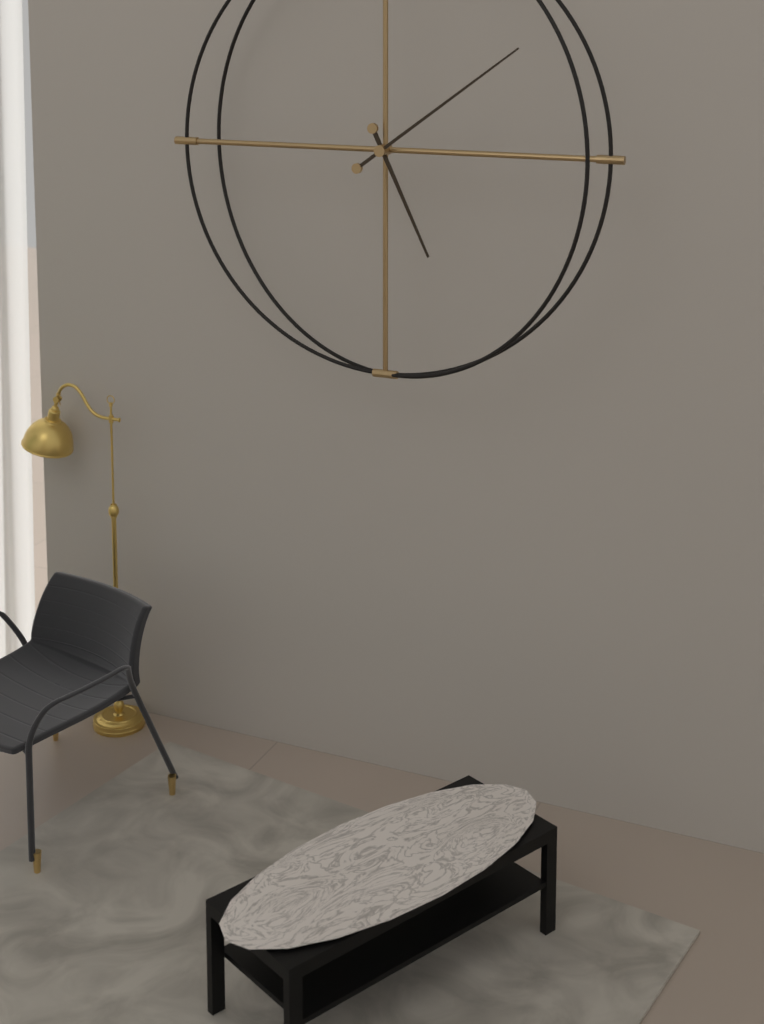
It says h=5 m=9
